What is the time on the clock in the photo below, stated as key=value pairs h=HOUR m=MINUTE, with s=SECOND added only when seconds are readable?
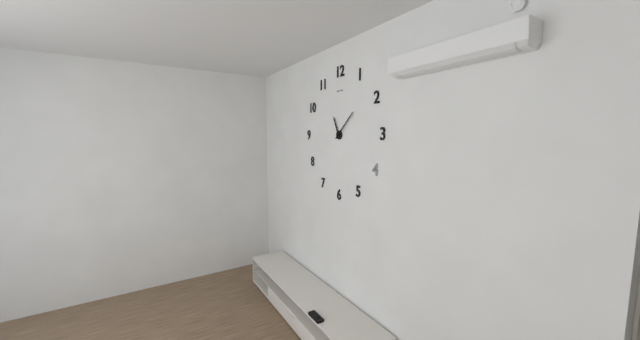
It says h=11 m=8
